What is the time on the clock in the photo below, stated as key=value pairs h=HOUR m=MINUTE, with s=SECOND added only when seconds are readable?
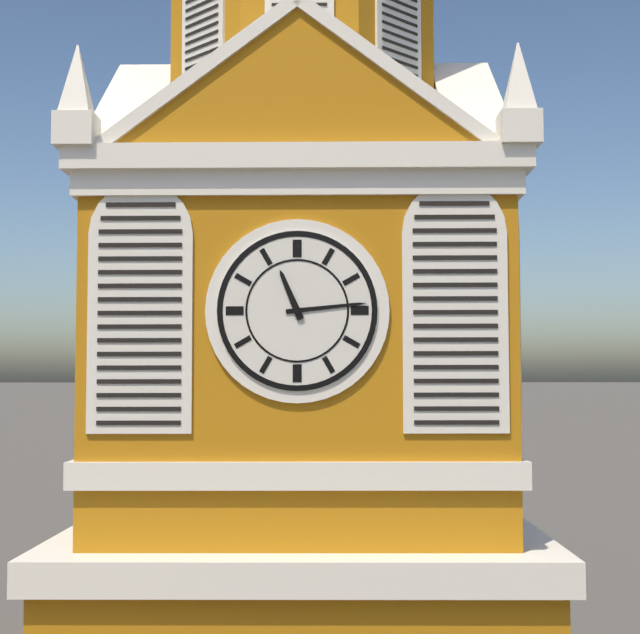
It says h=11 m=14
